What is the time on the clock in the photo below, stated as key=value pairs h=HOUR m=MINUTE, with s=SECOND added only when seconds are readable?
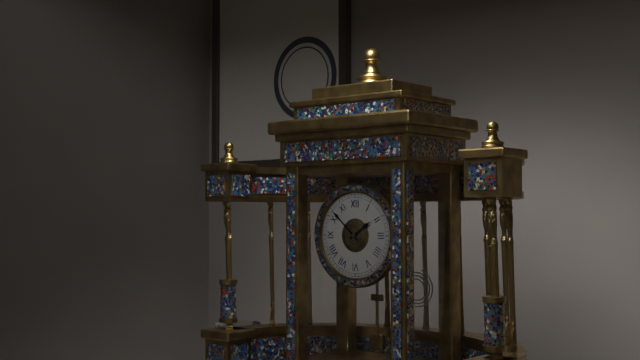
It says h=1 m=52
